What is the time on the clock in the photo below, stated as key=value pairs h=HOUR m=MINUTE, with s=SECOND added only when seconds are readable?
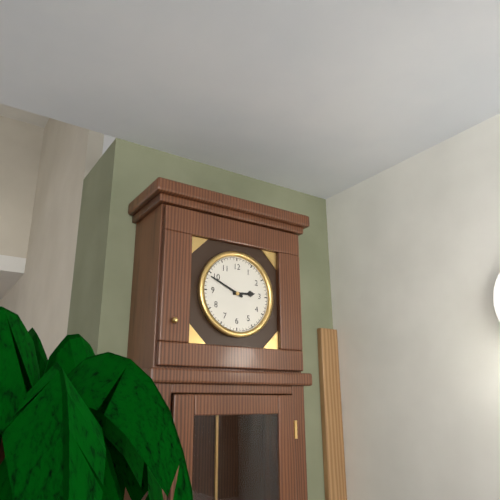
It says h=2 m=49
